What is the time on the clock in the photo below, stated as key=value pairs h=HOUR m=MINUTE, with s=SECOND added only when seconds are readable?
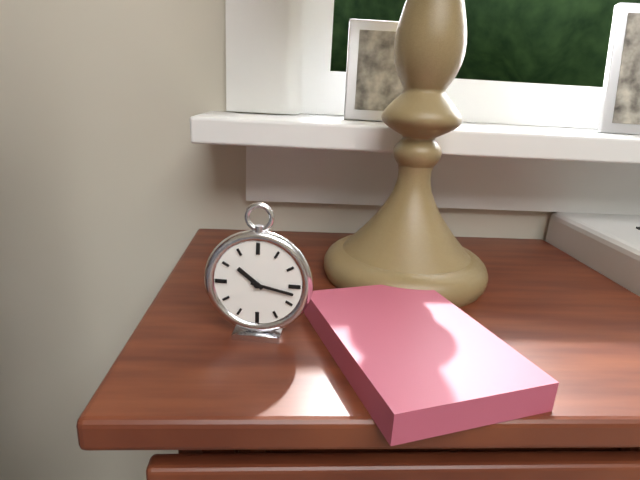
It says h=10 m=17
